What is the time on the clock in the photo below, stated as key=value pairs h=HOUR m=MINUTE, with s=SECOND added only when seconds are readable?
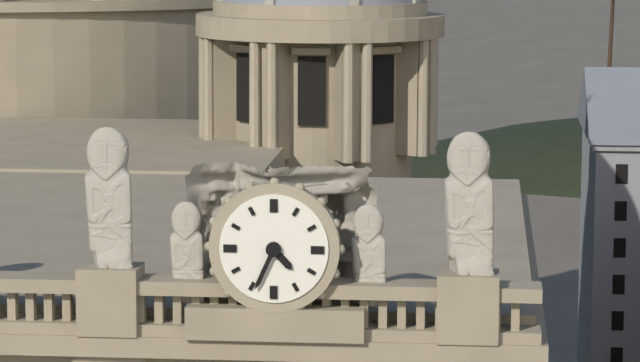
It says h=4 m=34
